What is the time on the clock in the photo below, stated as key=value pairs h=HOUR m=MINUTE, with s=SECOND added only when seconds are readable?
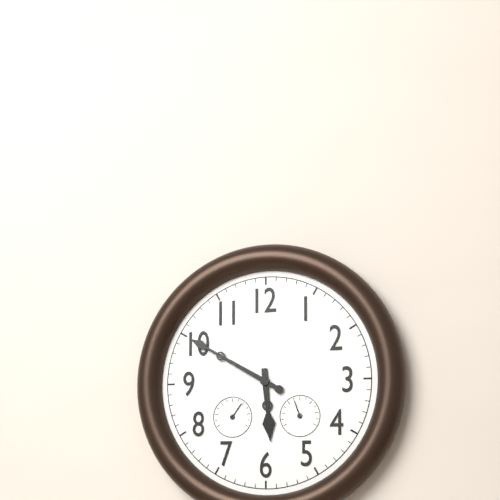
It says h=5 m=50
